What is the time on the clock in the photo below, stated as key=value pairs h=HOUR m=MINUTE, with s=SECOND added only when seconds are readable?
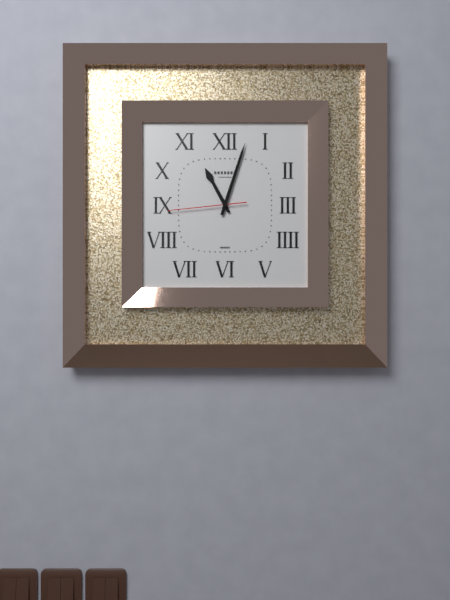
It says h=11 m=3 s=44
